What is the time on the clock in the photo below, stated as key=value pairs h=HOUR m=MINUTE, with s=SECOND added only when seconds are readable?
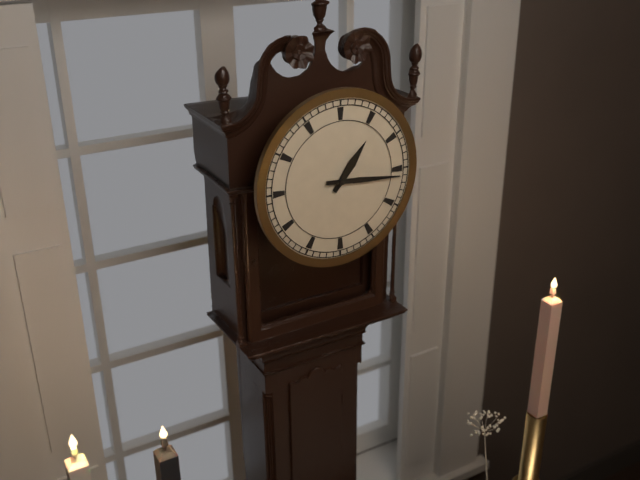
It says h=1 m=16
